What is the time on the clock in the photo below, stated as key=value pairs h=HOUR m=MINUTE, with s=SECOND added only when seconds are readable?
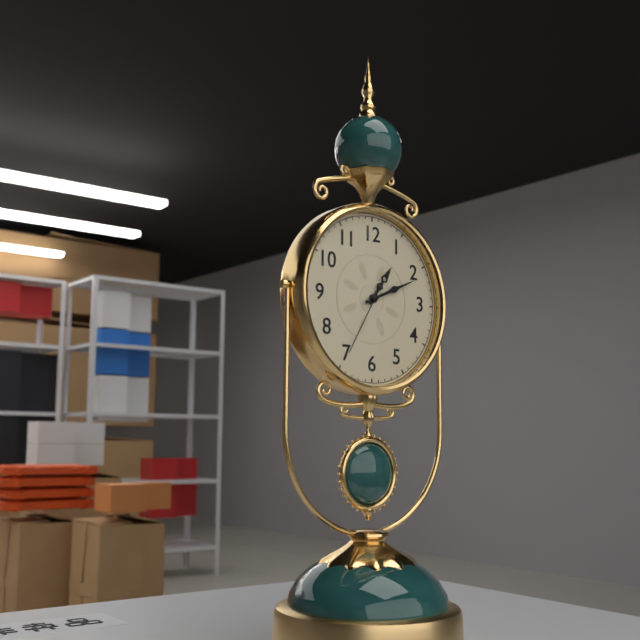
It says h=1 m=11 s=35
